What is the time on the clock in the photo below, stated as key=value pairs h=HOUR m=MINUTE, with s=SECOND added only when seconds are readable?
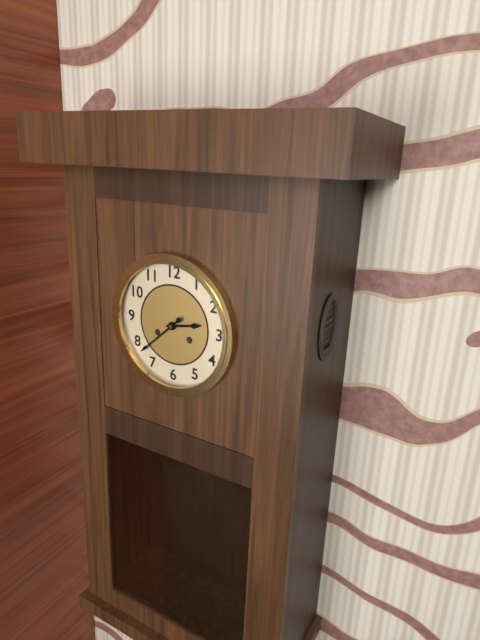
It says h=2 m=38
